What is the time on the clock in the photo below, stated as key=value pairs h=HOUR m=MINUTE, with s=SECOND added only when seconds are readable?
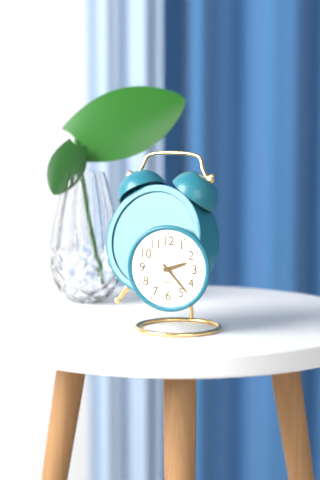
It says h=2 m=23
